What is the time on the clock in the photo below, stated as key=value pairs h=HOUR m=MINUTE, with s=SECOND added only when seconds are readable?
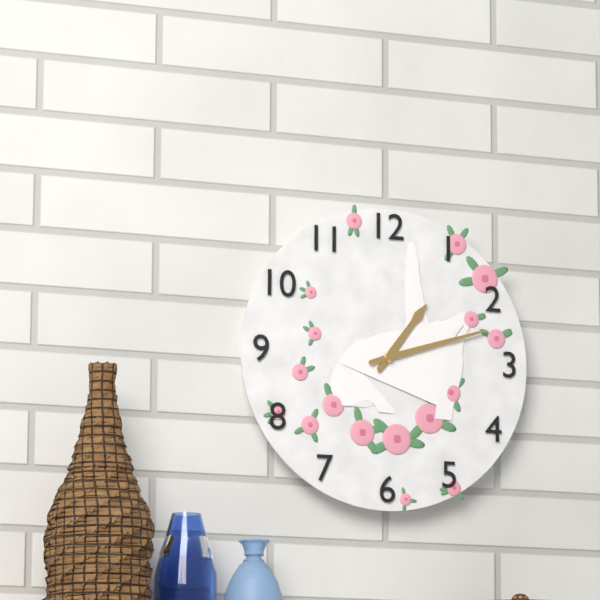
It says h=1 m=12
